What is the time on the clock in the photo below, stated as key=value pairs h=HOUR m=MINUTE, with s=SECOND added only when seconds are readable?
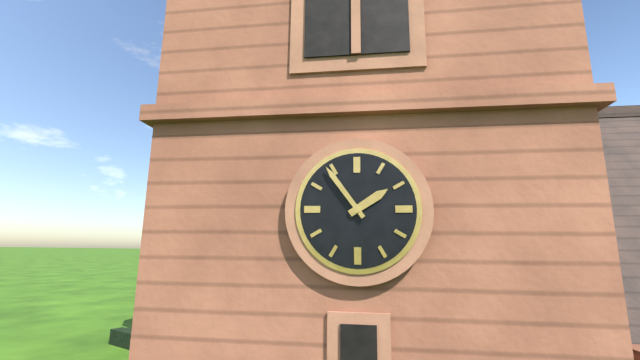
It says h=1 m=54
